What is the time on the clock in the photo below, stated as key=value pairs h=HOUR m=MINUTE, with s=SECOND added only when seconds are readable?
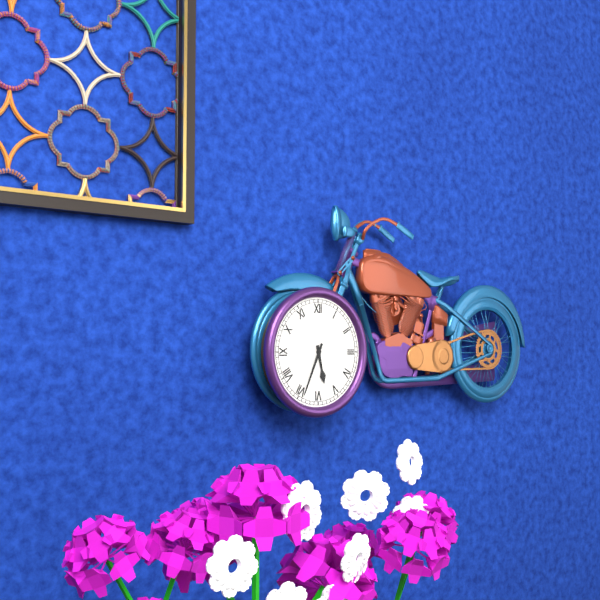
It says h=5 m=34
